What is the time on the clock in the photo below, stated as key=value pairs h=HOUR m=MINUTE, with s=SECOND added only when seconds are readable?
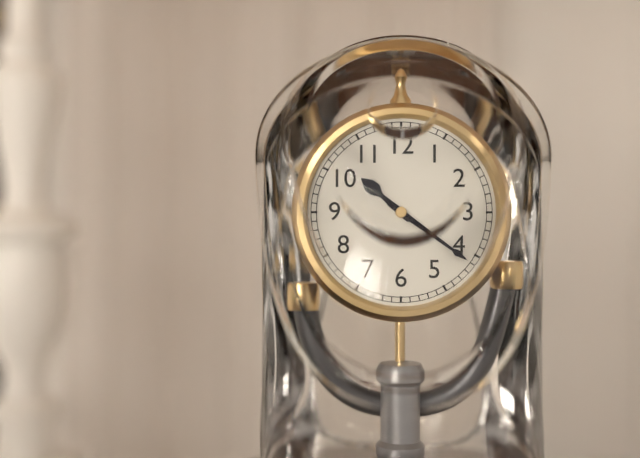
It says h=10 m=21
